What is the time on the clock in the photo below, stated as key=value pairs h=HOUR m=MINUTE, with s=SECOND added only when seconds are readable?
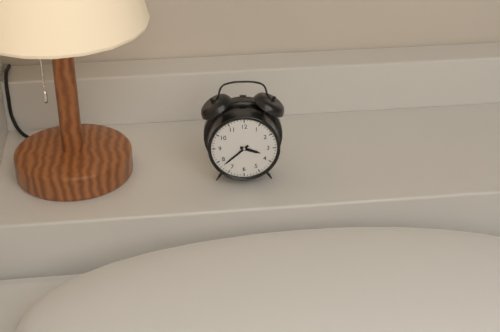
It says h=3 m=38
